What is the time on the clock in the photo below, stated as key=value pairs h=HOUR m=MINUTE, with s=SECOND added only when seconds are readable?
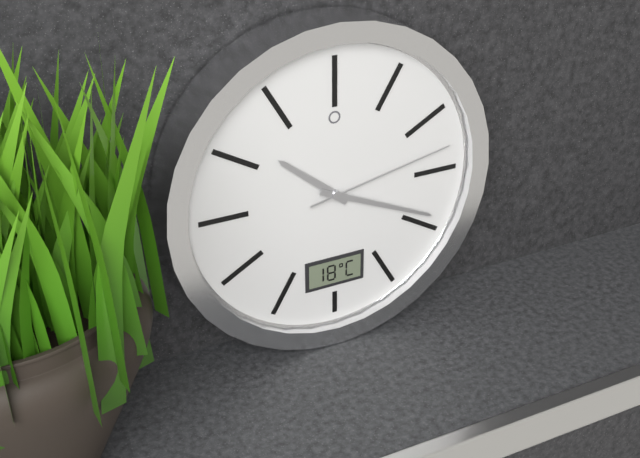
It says h=10 m=19 s=13
